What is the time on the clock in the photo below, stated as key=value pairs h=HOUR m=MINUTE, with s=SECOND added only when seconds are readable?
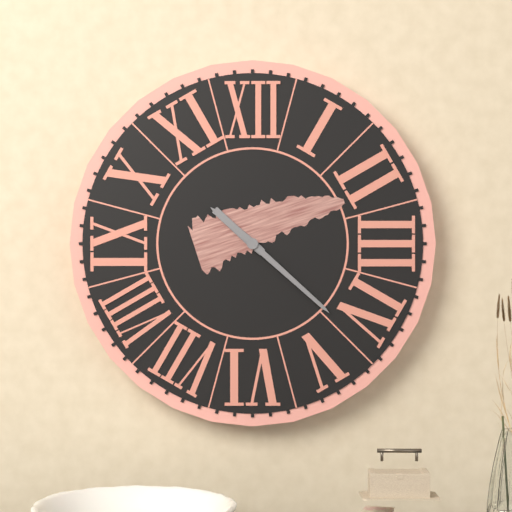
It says h=10 m=22
